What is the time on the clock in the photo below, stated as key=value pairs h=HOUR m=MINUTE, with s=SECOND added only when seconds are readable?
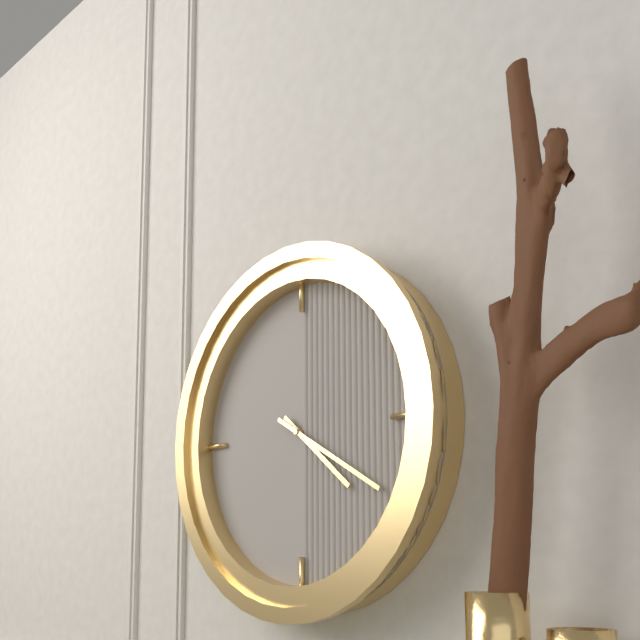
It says h=4 m=20
